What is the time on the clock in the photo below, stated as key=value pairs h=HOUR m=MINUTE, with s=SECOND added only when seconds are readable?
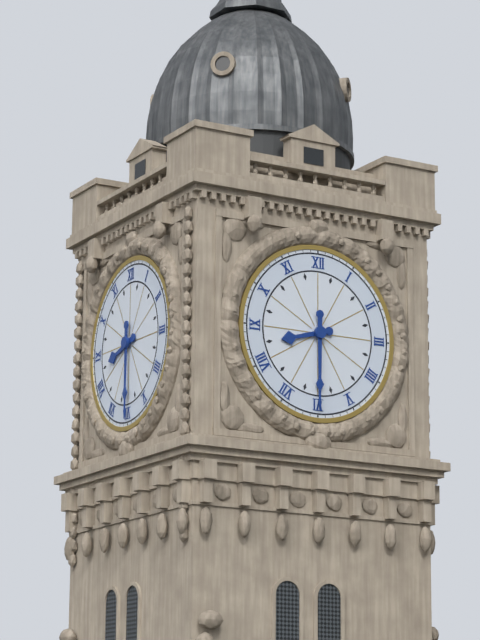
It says h=8 m=30
